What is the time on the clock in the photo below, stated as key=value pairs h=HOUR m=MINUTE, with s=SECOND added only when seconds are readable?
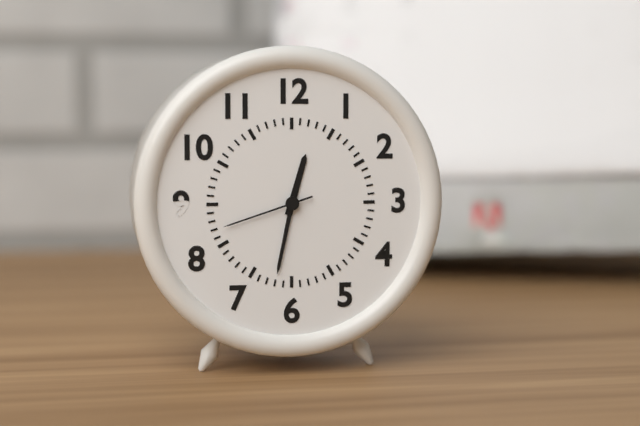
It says h=12 m=32 s=42
